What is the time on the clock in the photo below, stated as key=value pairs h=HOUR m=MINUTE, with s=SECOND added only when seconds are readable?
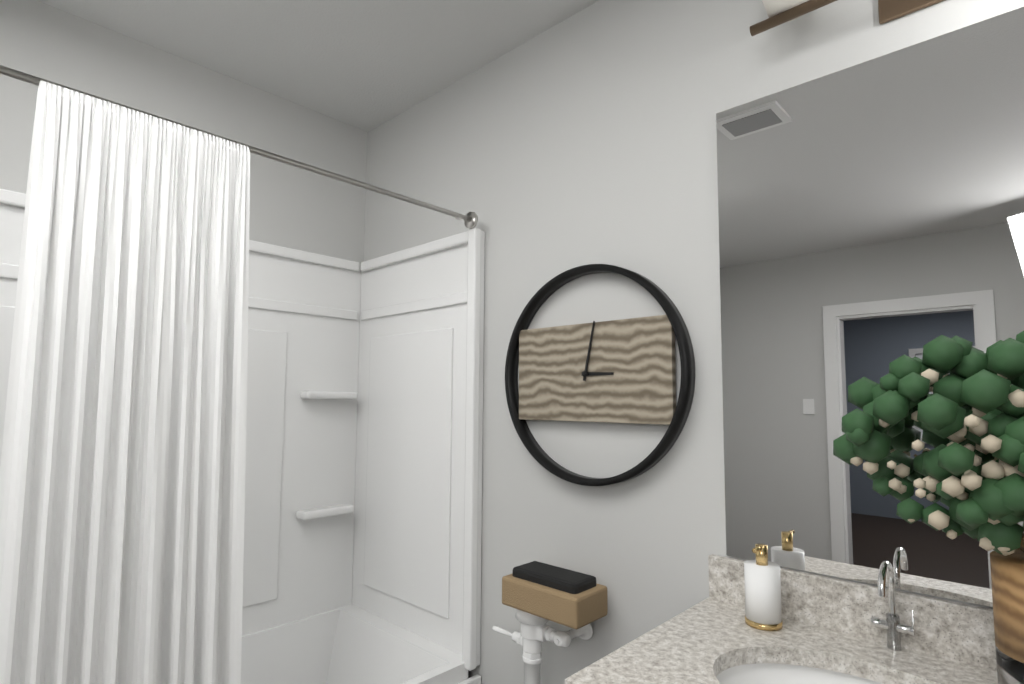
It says h=3 m=2
